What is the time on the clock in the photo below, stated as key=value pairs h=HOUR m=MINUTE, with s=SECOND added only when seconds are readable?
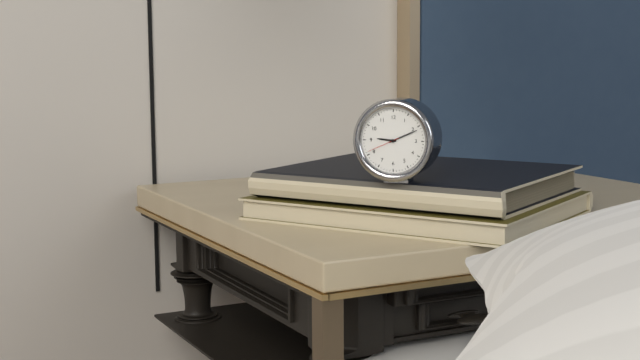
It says h=9 m=11
